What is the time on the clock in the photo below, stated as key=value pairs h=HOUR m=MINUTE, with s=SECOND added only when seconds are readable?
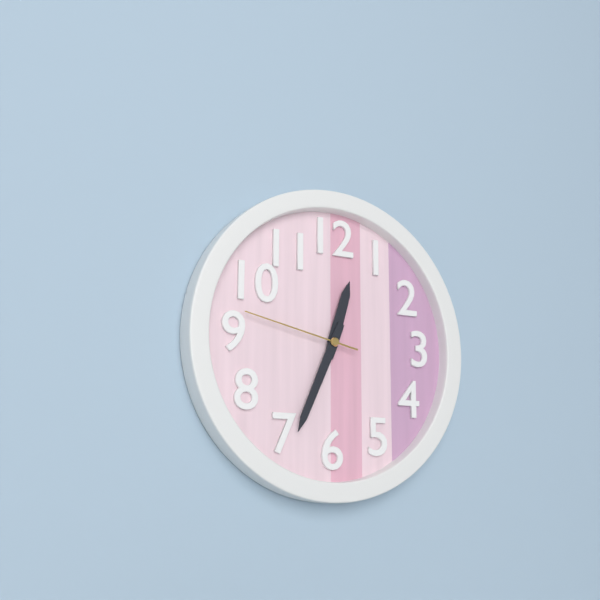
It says h=12 m=34 s=47
